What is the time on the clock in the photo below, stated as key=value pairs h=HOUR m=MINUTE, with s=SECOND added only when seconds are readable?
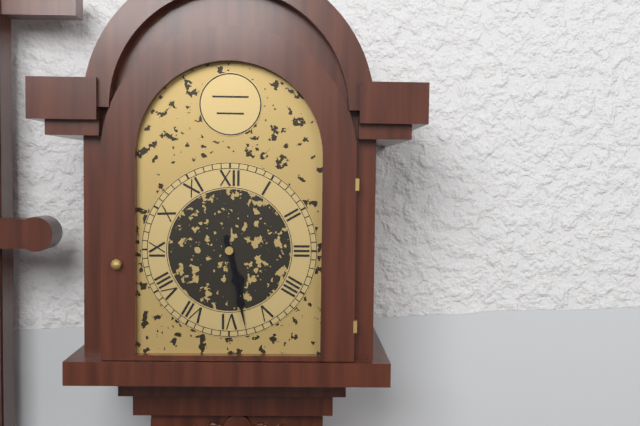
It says h=5 m=28
